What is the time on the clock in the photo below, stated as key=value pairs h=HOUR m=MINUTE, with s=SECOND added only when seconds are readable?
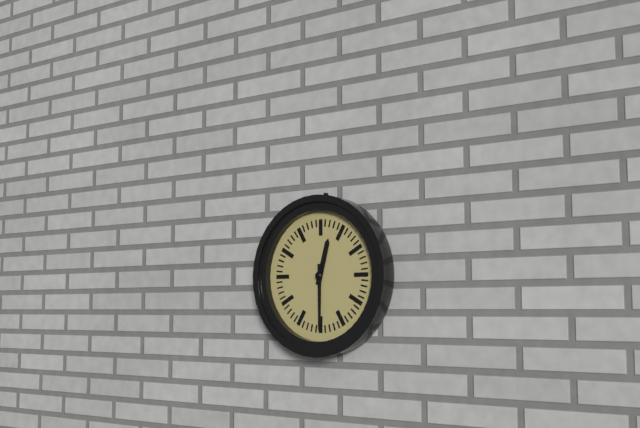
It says h=12 m=30
